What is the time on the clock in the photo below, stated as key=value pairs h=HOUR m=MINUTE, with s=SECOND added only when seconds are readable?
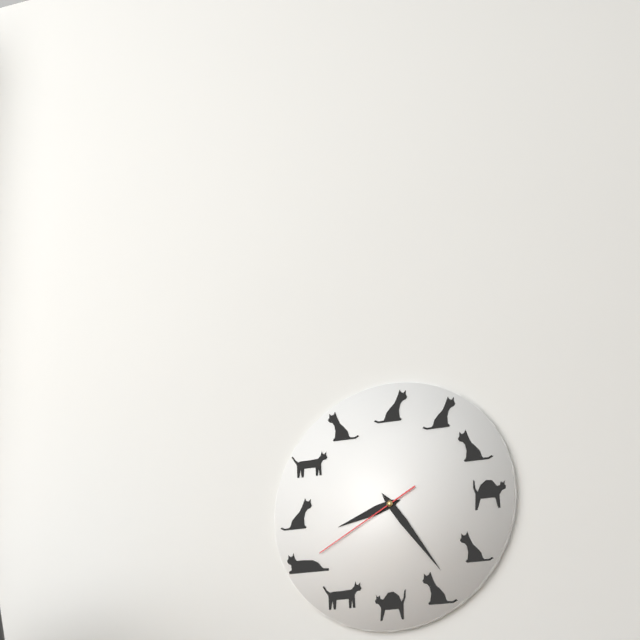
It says h=8 m=24 s=40
